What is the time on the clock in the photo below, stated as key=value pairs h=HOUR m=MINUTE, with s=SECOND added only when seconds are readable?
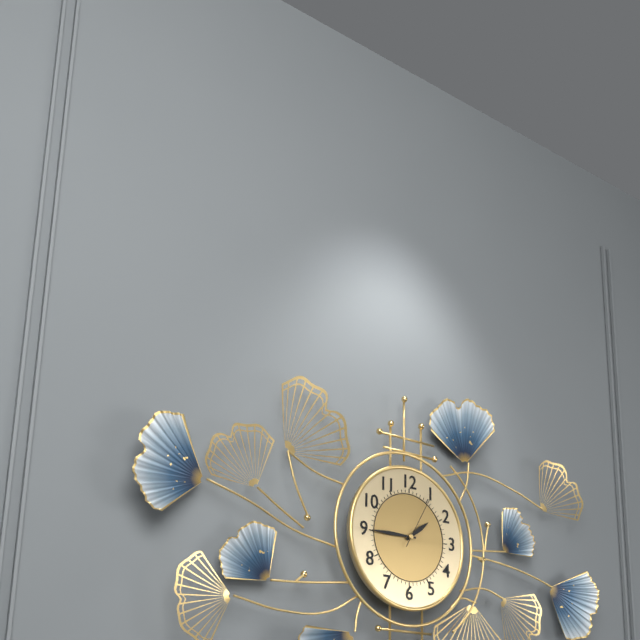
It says h=1 m=45 s=5
